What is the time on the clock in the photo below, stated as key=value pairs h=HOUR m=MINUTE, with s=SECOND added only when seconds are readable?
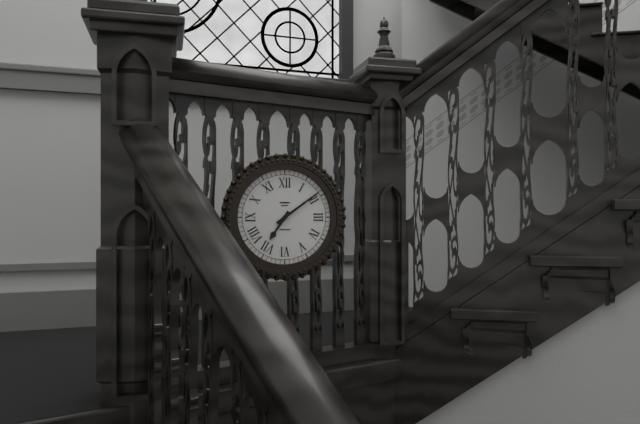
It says h=7 m=9
